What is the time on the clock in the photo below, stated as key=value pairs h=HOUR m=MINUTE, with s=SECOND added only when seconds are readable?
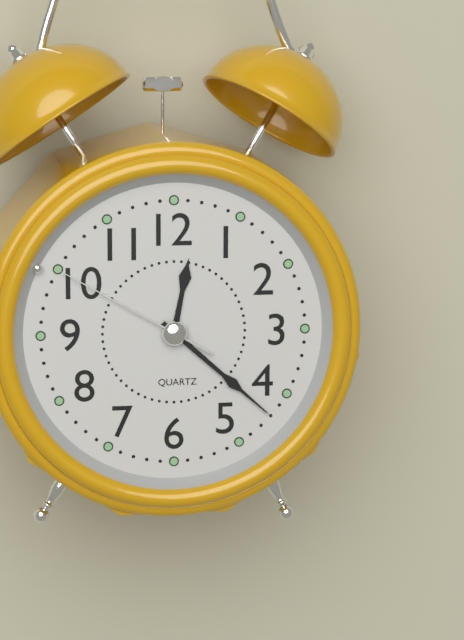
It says h=12 m=22 s=50
